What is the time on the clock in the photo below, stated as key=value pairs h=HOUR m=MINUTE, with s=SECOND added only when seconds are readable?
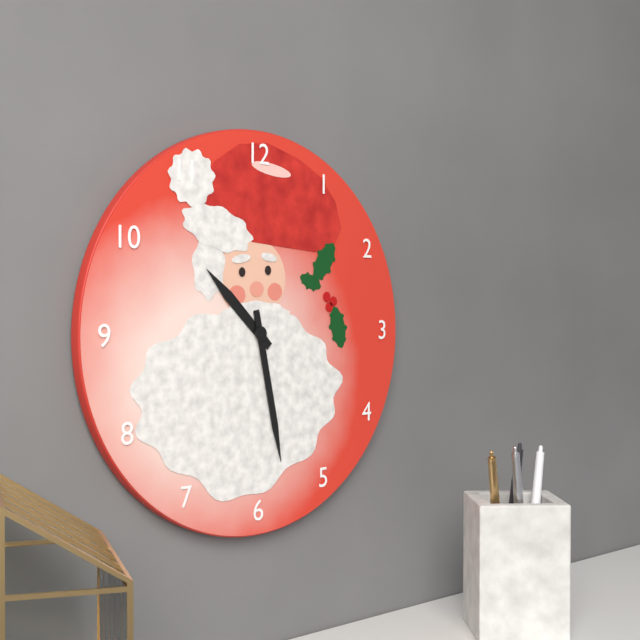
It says h=10 m=28
